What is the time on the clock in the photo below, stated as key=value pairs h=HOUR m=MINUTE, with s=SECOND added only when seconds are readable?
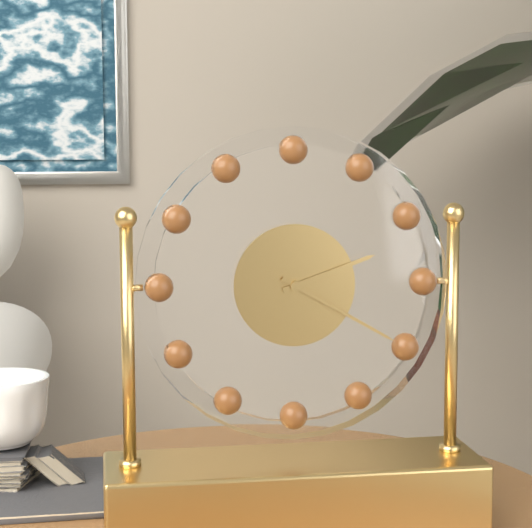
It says h=2 m=20
